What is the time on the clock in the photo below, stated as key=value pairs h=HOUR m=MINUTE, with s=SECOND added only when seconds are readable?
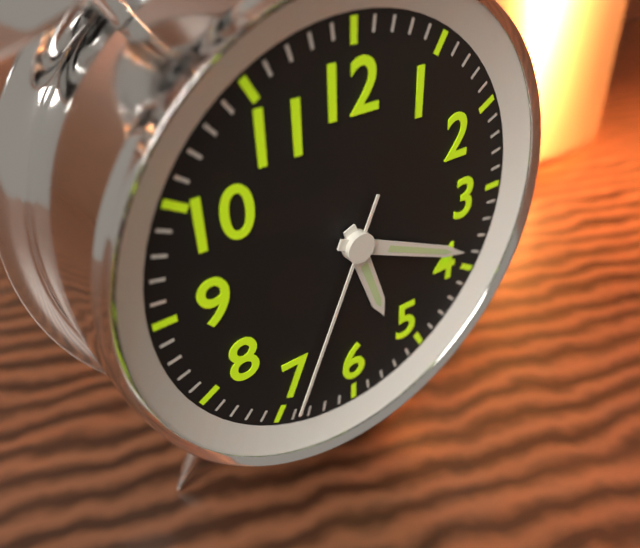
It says h=5 m=19 s=34
